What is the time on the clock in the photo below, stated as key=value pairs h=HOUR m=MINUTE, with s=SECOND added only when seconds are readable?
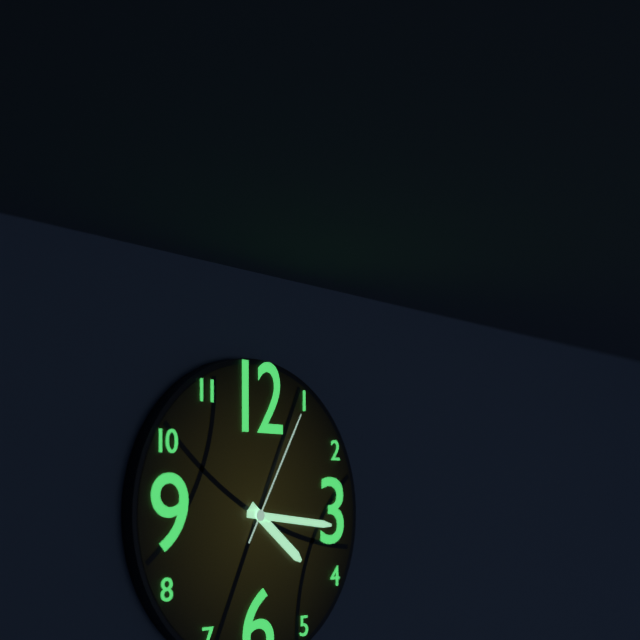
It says h=4 m=16 s=5
